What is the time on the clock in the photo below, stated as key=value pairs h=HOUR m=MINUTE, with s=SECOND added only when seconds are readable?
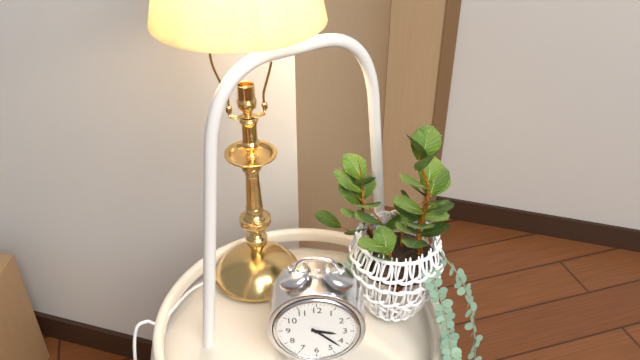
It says h=3 m=22
